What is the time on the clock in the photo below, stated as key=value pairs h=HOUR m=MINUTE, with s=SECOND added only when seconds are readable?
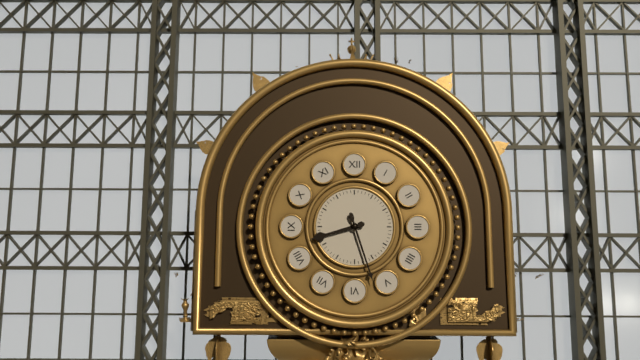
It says h=8 m=27
